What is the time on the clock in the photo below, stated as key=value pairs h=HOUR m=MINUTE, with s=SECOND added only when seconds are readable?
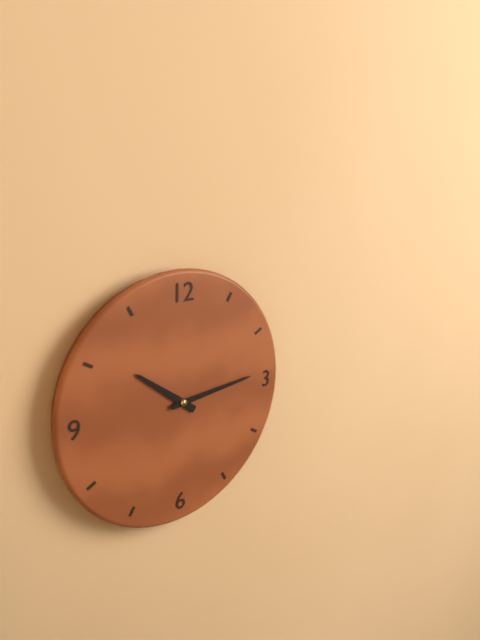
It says h=10 m=14
